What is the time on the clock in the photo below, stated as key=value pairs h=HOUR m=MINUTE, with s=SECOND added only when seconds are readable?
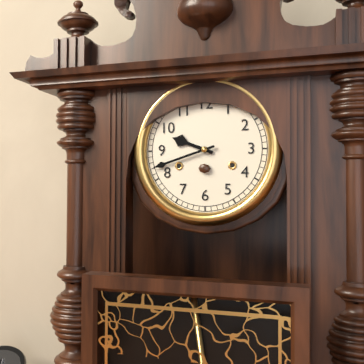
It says h=9 m=42
